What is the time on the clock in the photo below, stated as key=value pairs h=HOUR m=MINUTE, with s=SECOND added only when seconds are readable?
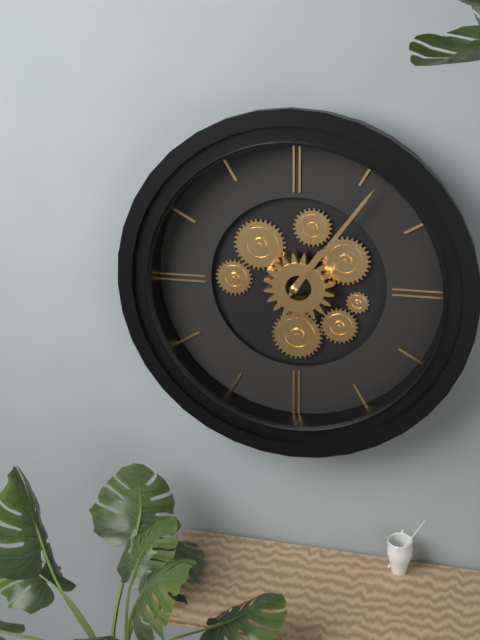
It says h=1 m=6
